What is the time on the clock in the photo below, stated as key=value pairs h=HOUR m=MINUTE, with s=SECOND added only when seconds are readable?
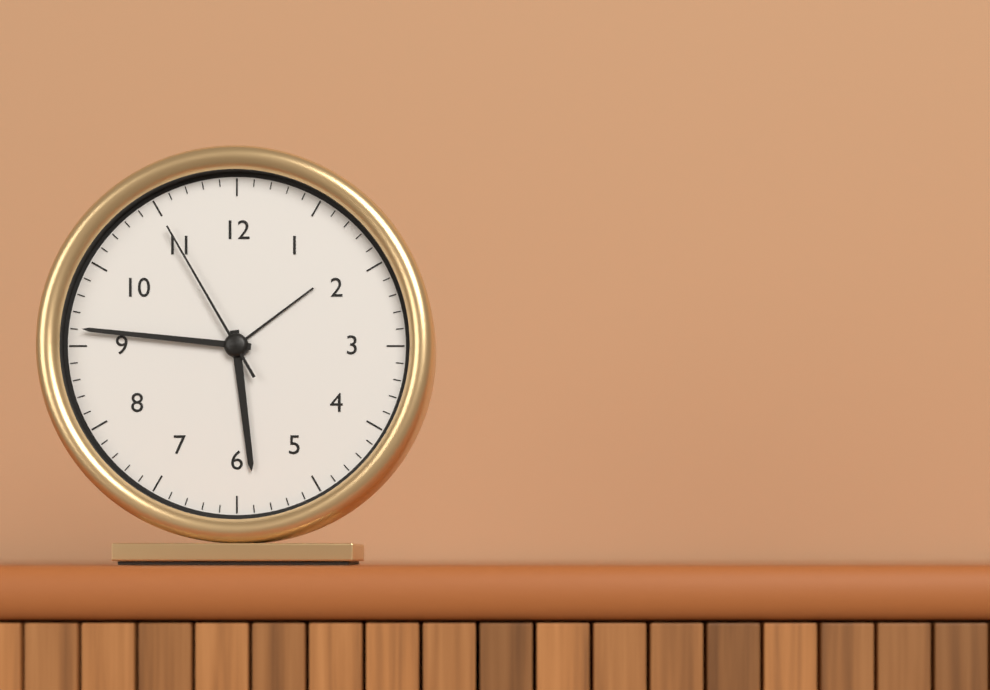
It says h=5 m=46 s=55
